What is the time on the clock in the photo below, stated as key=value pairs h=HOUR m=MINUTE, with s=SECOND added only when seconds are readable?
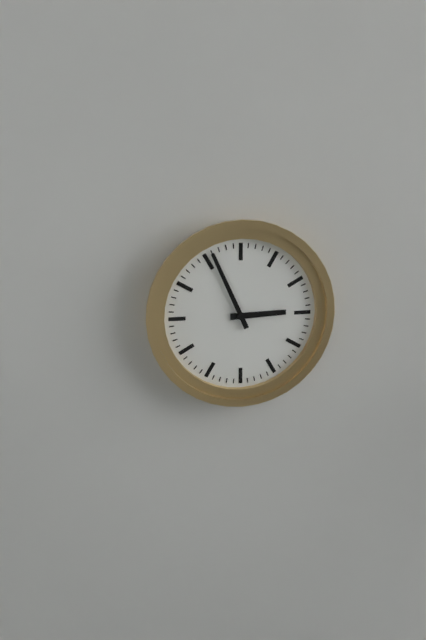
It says h=2 m=56
